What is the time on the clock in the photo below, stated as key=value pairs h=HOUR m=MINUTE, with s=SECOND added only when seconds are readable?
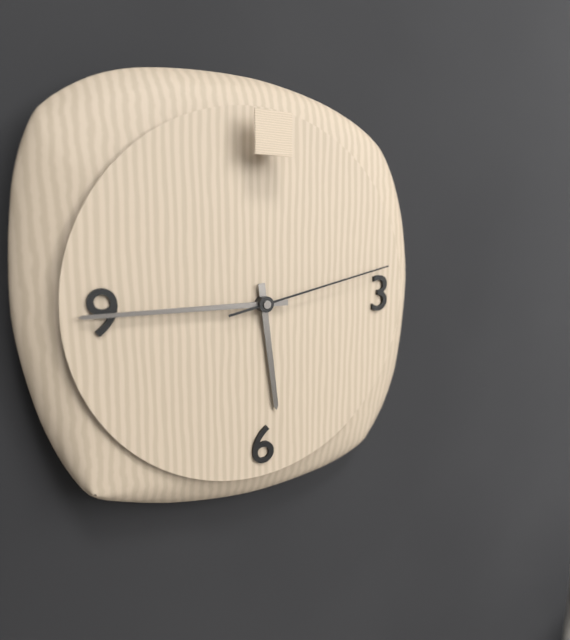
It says h=5 m=45 s=13
